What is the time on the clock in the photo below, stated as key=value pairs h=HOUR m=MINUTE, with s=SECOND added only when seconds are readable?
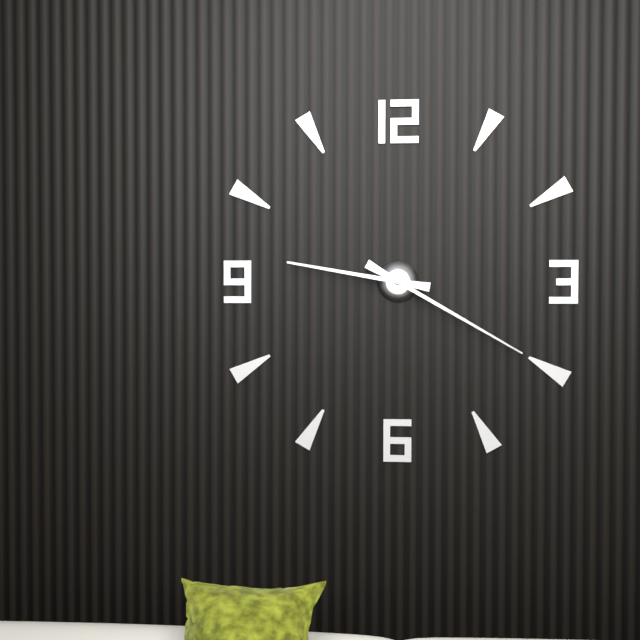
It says h=9 m=20
